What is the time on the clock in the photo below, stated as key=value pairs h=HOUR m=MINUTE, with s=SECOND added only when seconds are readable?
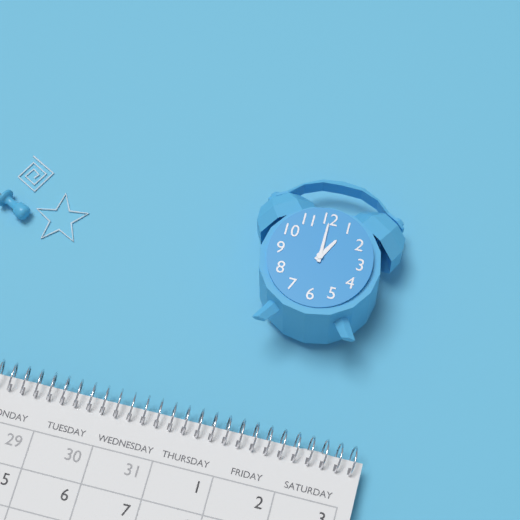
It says h=1 m=0
